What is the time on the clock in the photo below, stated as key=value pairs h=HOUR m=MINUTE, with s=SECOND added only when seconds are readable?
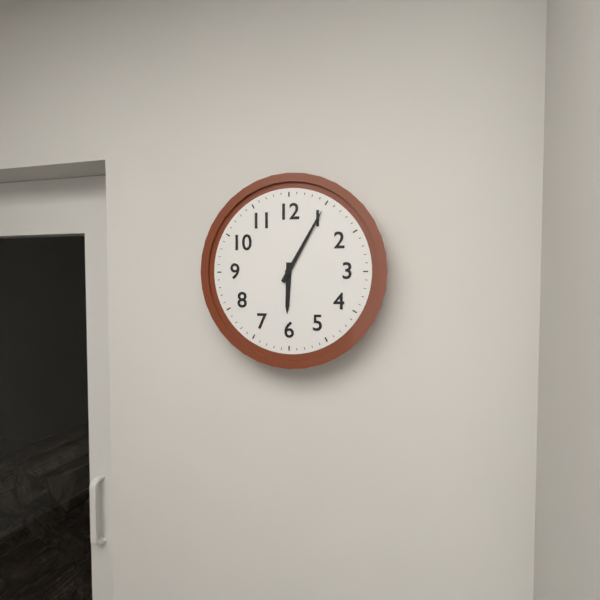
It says h=6 m=5
